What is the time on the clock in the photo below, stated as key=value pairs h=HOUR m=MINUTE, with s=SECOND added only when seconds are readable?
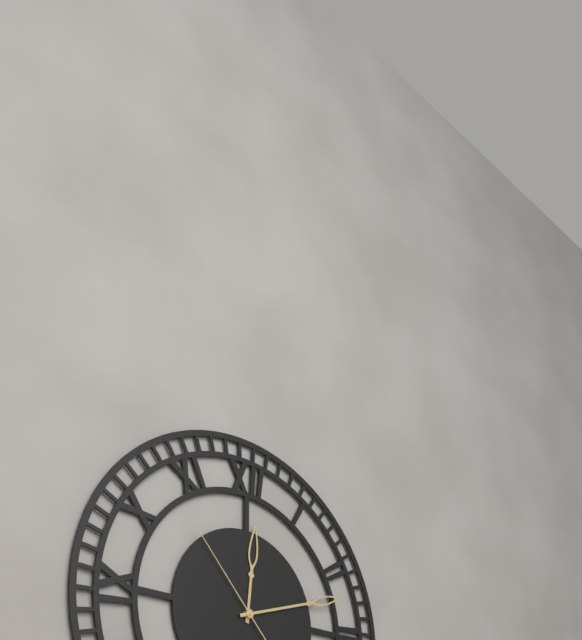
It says h=12 m=12 s=53
